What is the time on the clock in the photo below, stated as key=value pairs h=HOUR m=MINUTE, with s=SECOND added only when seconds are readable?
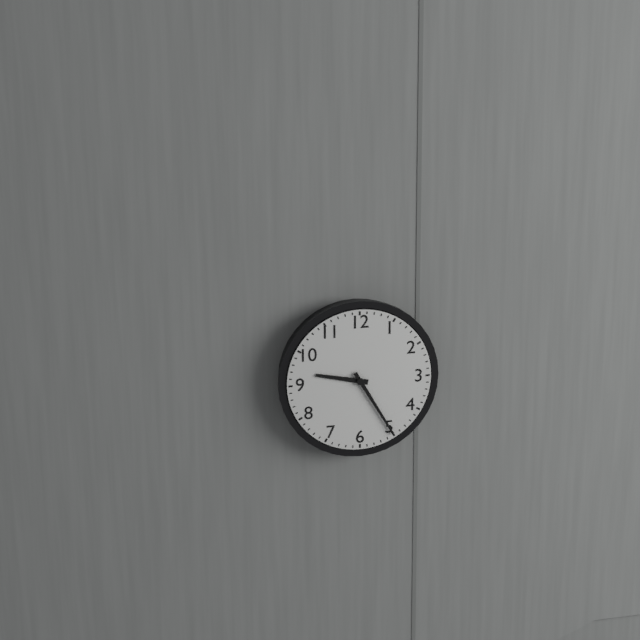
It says h=9 m=25
